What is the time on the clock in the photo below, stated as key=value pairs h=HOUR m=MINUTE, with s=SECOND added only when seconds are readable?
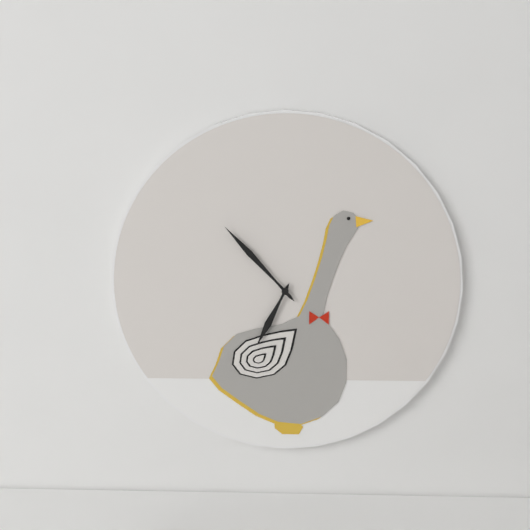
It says h=6 m=53
